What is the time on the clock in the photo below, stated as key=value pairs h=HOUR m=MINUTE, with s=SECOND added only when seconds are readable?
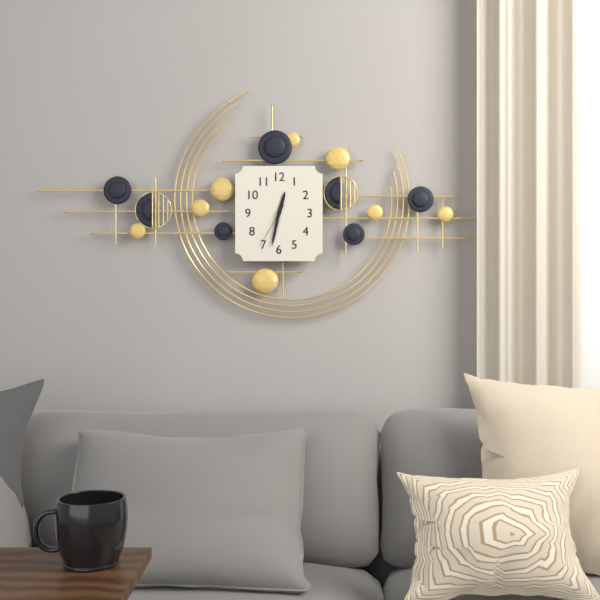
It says h=12 m=32
